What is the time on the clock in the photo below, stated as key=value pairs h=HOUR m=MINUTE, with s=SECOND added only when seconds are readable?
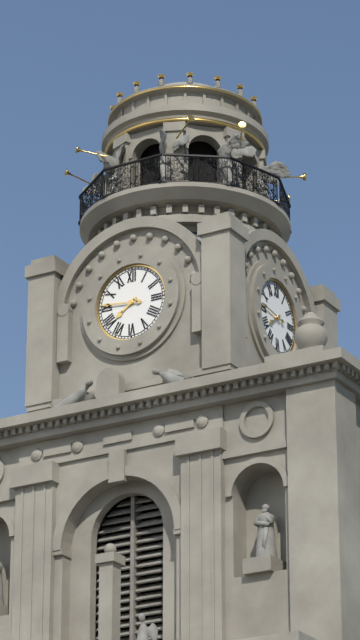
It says h=7 m=46
